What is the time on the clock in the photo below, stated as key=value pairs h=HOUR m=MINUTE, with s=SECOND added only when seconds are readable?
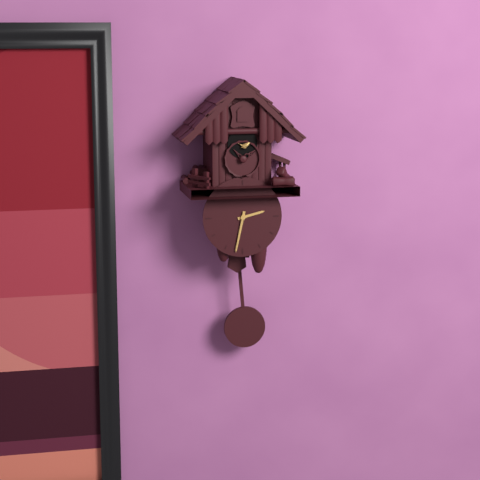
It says h=2 m=32
